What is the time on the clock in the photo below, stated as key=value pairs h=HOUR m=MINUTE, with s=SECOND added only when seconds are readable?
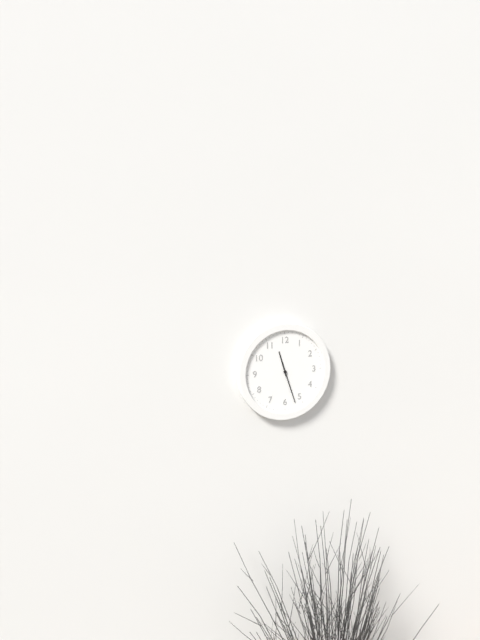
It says h=11 m=27
